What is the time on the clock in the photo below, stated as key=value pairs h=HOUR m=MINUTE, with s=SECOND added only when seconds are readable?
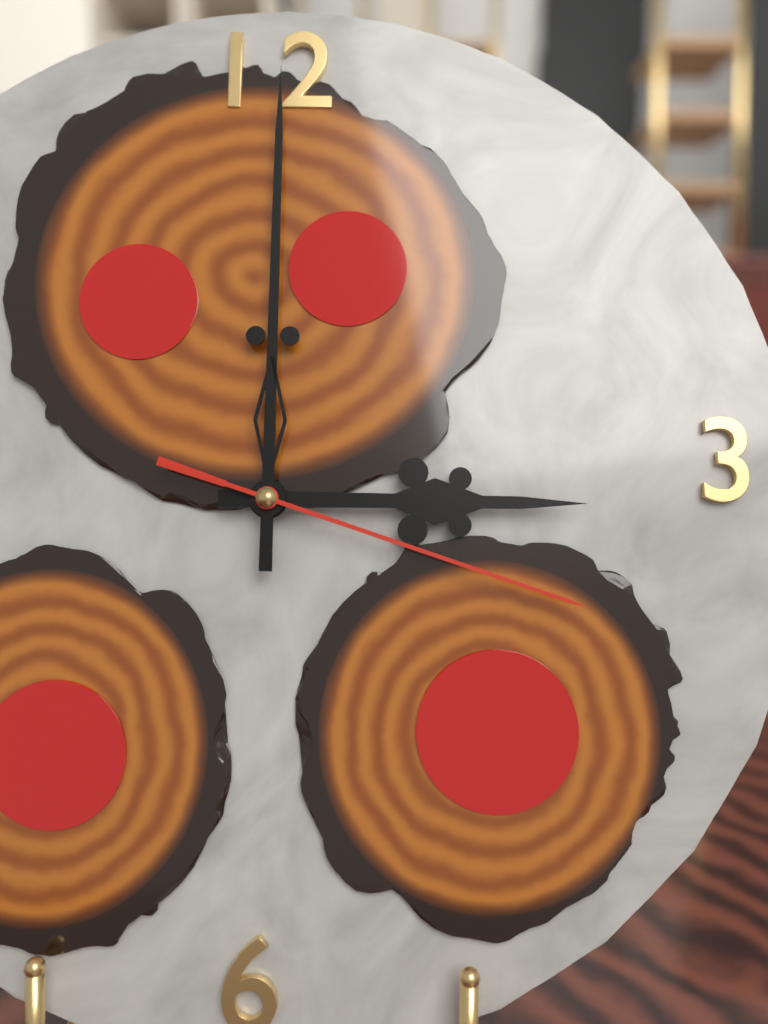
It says h=3 m=0 s=18
